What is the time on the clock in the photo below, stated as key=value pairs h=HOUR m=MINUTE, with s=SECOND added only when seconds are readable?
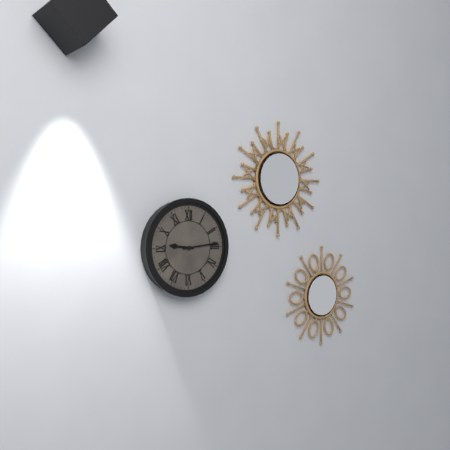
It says h=9 m=14
